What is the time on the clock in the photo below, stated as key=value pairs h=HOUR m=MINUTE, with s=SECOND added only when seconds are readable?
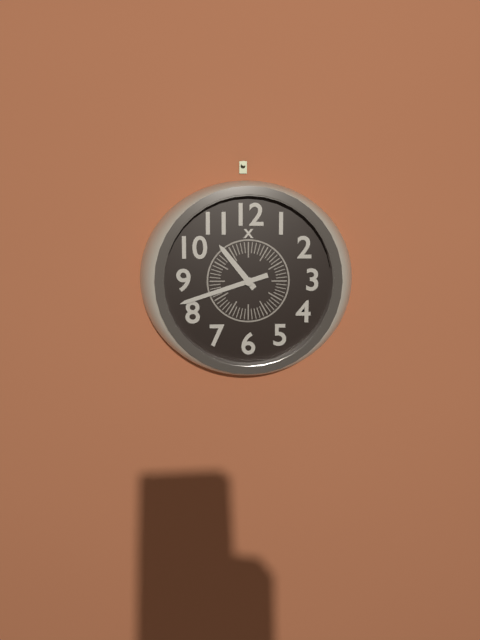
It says h=10 m=42
